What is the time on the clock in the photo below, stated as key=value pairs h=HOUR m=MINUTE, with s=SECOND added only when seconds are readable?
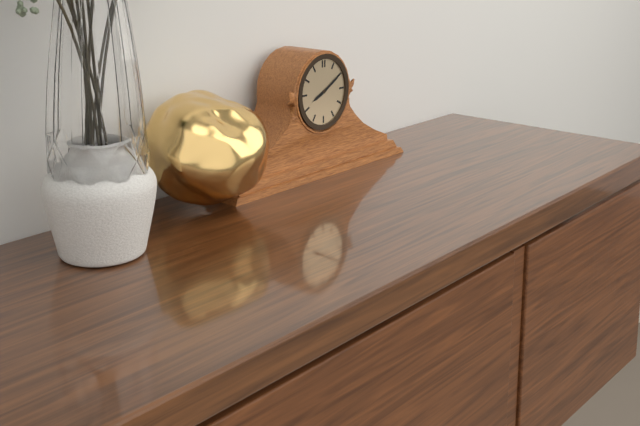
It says h=8 m=10
